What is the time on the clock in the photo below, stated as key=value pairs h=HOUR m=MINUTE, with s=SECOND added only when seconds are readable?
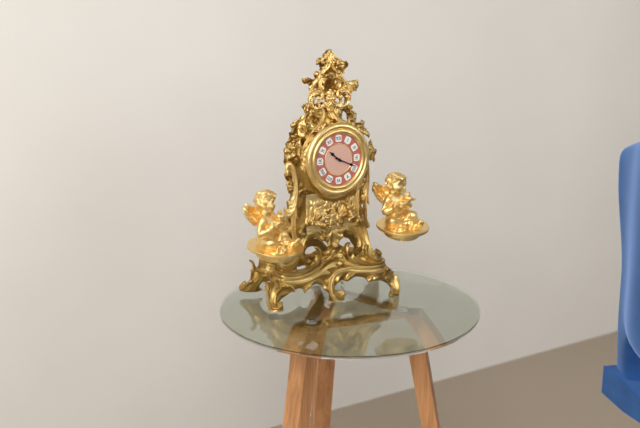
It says h=10 m=19
